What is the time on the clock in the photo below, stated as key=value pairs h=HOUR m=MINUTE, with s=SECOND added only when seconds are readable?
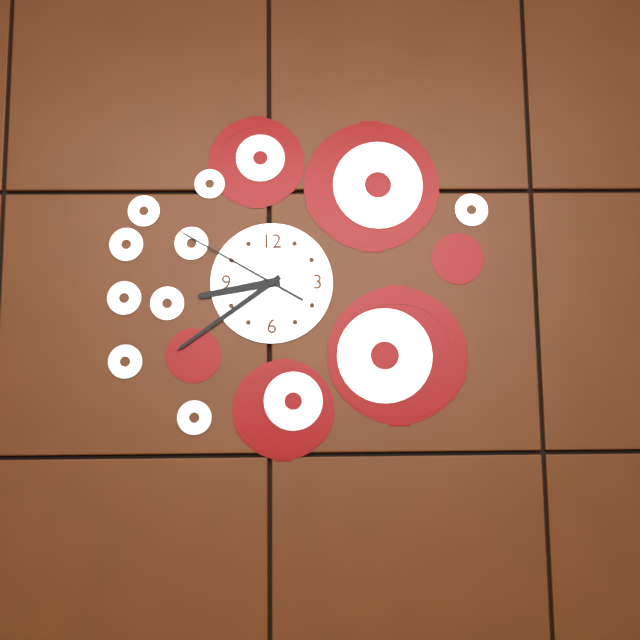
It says h=8 m=39 s=50
